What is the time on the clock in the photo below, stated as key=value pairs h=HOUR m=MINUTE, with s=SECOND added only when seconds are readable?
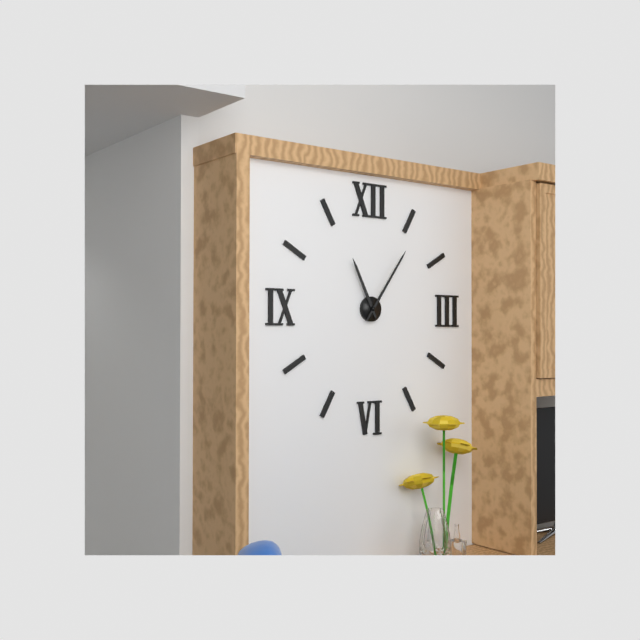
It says h=11 m=6
